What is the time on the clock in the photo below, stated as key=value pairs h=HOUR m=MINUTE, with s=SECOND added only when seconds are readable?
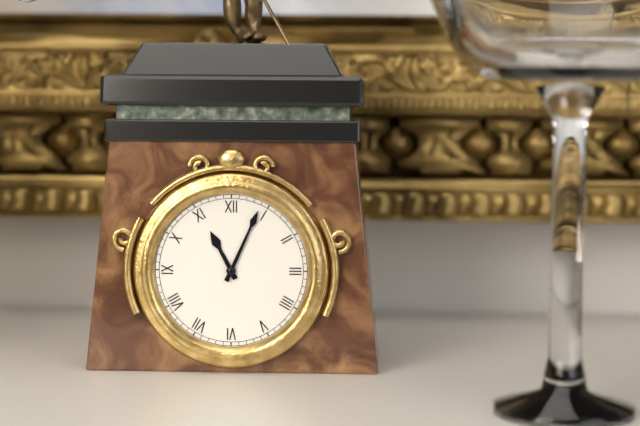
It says h=11 m=4
